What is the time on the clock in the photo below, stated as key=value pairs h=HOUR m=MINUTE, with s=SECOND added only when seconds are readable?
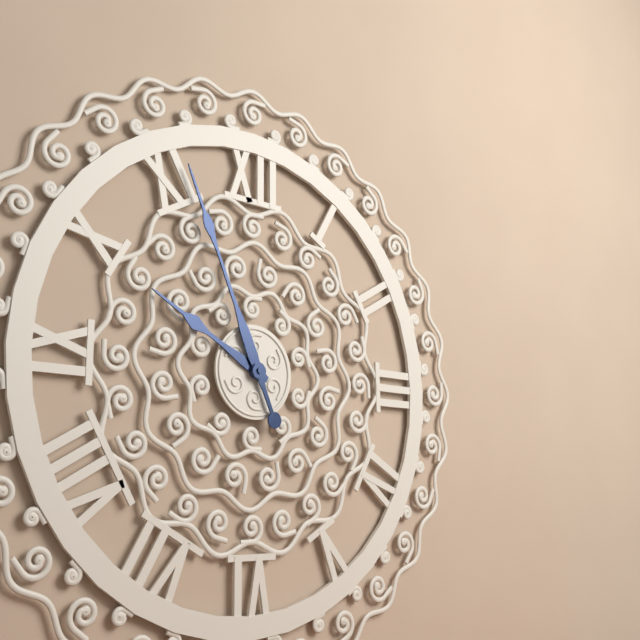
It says h=9 m=56
